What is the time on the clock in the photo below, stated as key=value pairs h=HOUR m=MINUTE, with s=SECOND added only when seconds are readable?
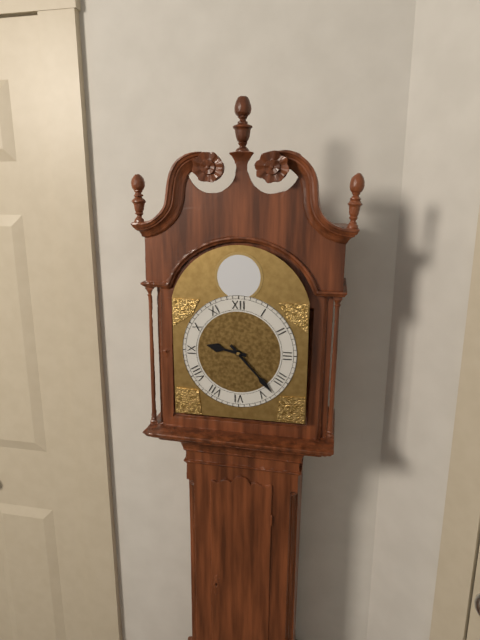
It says h=9 m=23
